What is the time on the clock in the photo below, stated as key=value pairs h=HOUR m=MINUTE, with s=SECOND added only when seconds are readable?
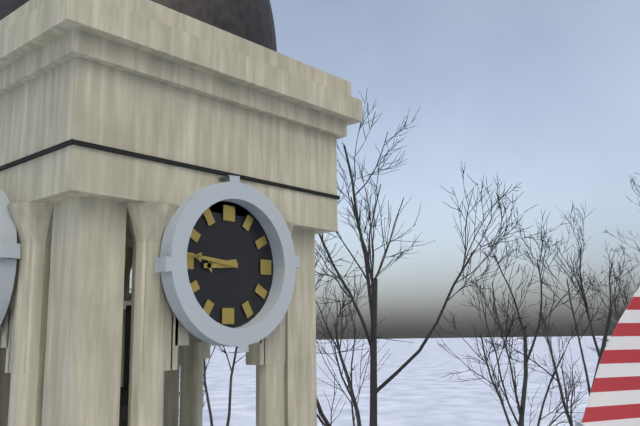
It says h=8 m=46
